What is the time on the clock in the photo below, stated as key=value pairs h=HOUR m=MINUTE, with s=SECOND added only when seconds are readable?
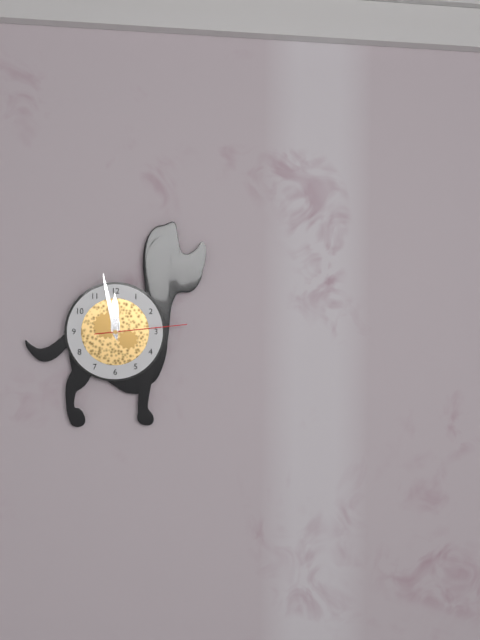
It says h=11 m=58 s=14
